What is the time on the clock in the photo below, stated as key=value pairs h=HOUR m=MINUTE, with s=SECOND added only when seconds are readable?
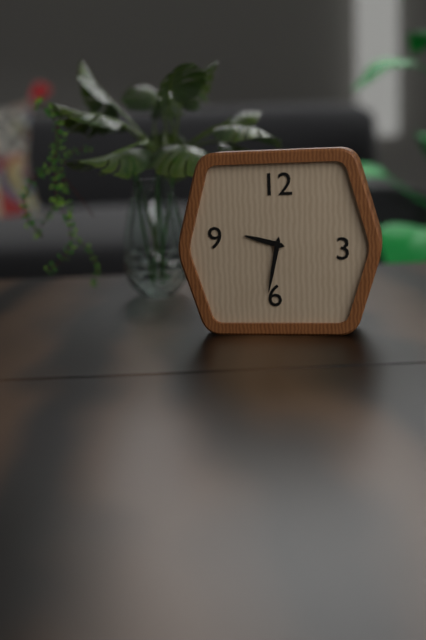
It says h=9 m=32
